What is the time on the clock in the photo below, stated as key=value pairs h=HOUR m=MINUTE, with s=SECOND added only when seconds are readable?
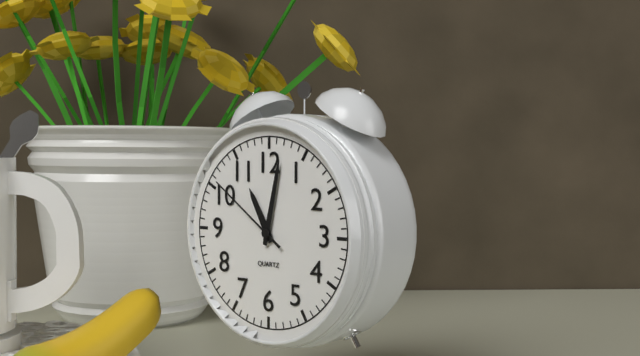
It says h=11 m=2 s=51
